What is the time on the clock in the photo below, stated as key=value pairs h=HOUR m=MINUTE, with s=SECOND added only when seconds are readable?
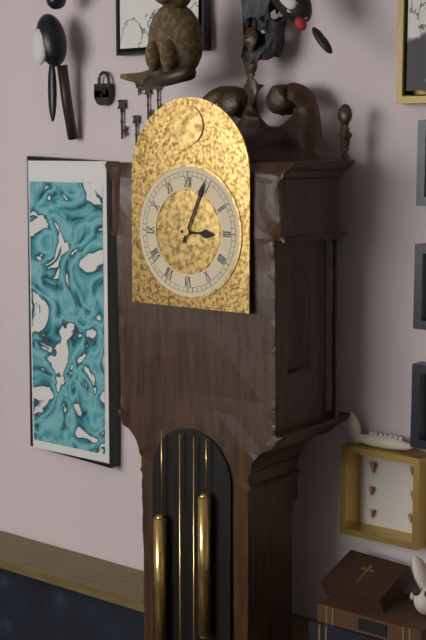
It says h=3 m=4
